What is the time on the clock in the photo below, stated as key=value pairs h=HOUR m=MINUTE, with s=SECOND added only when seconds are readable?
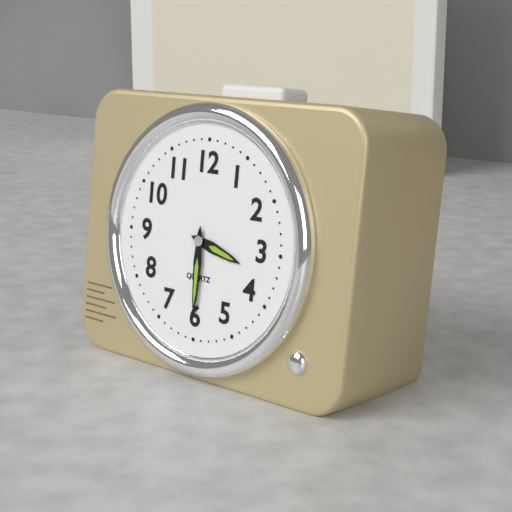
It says h=3 m=30
